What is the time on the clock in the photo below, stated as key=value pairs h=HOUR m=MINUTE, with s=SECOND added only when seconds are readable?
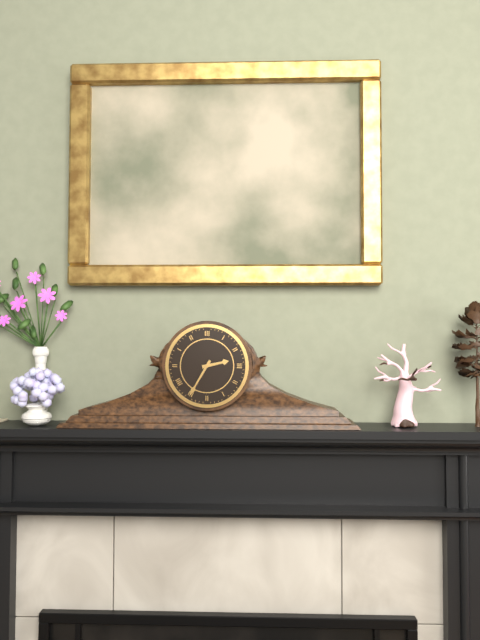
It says h=2 m=35
